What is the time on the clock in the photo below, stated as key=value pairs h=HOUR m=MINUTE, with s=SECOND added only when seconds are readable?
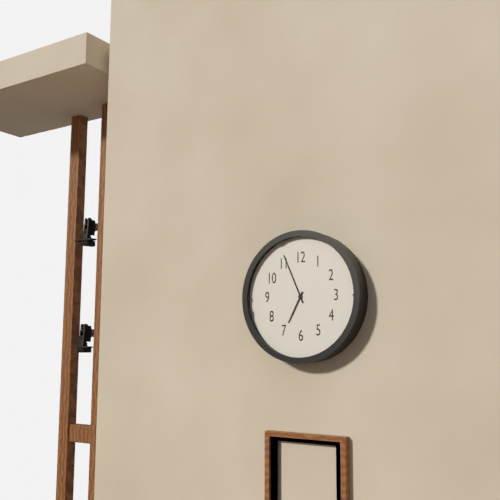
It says h=6 m=56
